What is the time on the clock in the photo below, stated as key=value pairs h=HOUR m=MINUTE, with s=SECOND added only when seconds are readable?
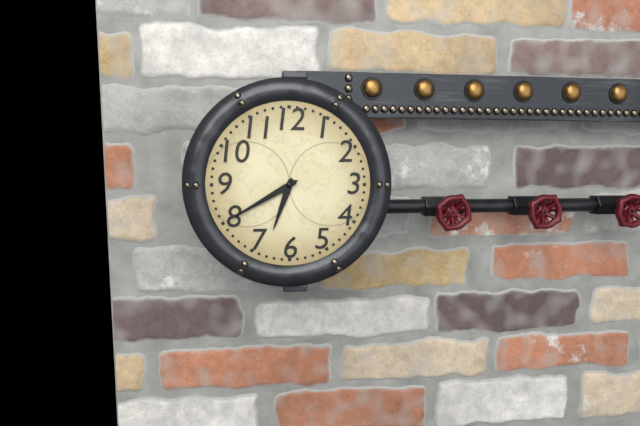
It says h=6 m=40
